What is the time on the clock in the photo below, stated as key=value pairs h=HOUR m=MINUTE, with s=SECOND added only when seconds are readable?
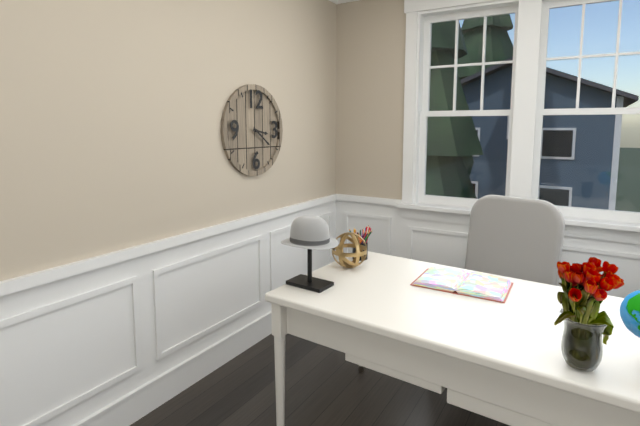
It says h=3 m=21
